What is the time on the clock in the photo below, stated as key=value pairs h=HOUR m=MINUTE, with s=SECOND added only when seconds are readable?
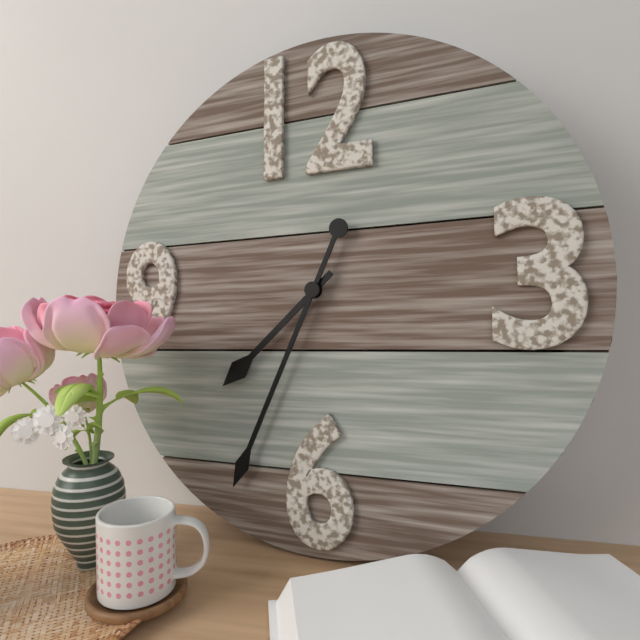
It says h=7 m=34
